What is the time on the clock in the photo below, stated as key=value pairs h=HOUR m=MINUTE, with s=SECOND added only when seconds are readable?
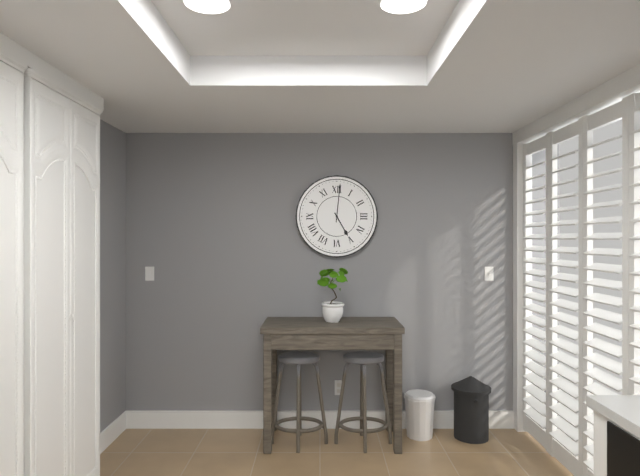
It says h=5 m=1
